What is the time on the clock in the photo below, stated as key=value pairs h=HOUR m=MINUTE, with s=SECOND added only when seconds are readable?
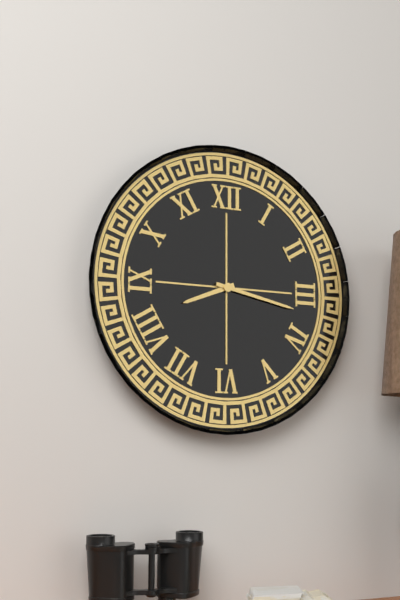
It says h=8 m=17
